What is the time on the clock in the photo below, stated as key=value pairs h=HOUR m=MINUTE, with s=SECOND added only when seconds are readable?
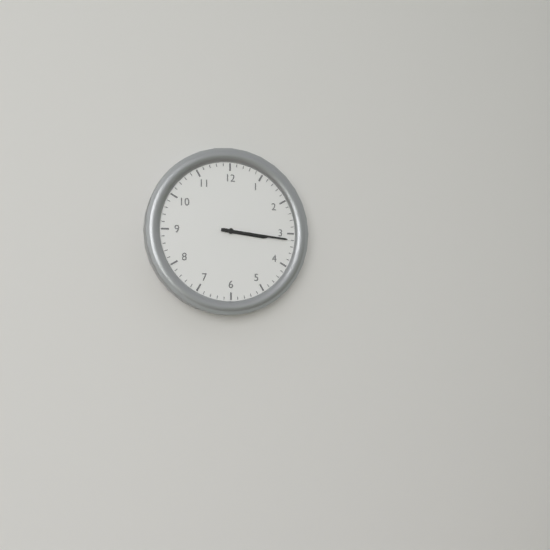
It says h=3 m=16
